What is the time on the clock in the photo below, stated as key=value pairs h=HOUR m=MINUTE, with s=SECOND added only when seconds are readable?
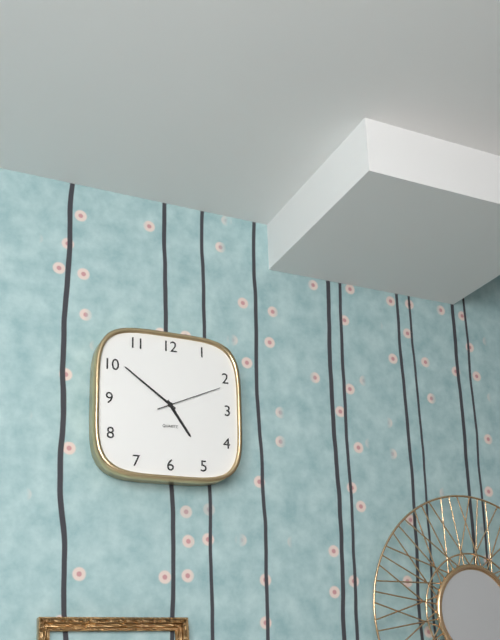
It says h=4 m=51 s=11
